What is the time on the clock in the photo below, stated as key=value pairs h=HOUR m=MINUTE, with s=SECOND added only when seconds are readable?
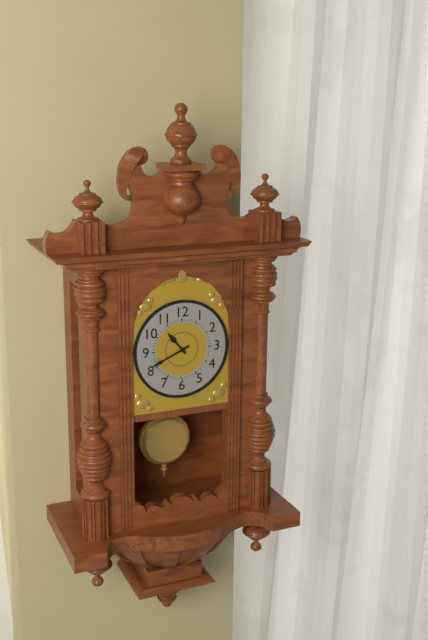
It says h=10 m=41
